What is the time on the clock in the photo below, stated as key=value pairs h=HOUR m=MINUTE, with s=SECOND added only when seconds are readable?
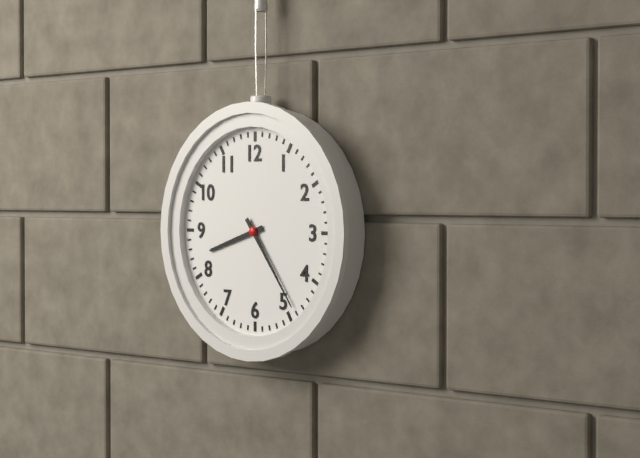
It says h=8 m=24
